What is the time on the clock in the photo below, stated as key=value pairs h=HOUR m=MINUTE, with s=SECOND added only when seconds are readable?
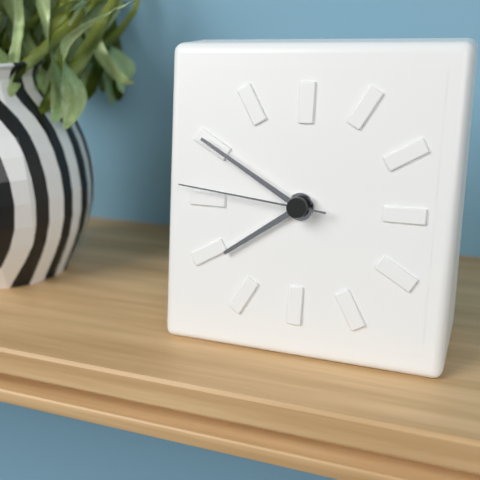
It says h=7 m=50 s=46
